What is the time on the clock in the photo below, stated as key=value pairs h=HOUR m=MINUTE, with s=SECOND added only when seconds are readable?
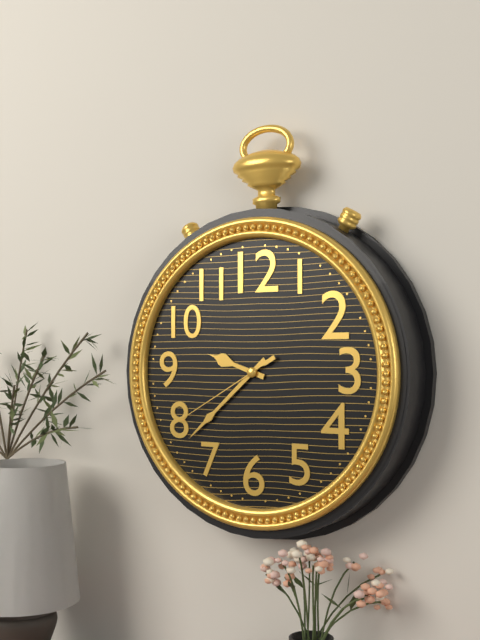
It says h=9 m=38 s=40
